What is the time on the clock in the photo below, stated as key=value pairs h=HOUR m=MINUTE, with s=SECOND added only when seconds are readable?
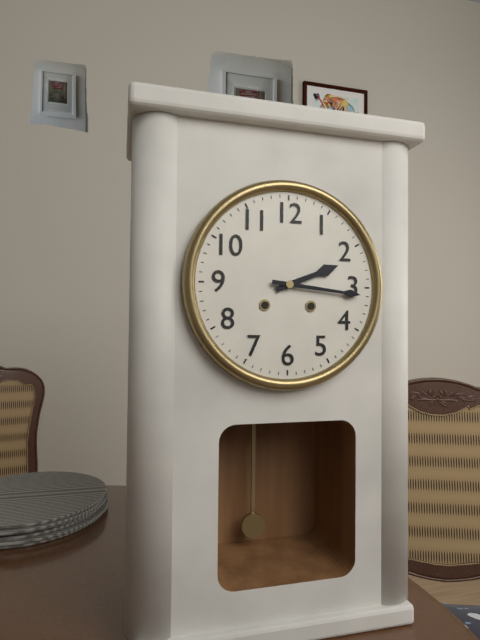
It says h=2 m=16
